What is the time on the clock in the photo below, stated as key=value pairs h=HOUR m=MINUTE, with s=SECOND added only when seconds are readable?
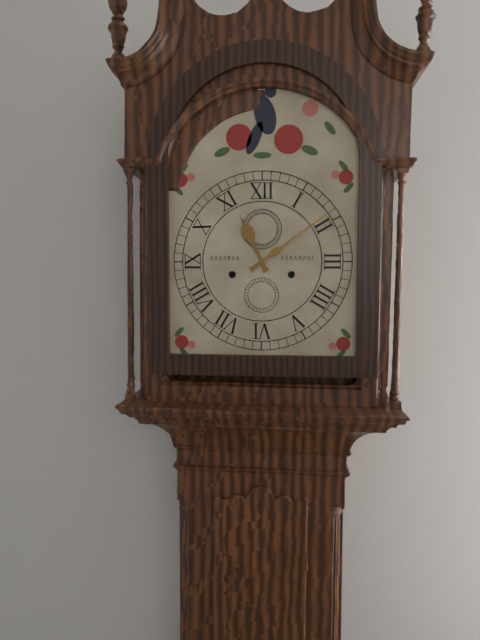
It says h=11 m=9
